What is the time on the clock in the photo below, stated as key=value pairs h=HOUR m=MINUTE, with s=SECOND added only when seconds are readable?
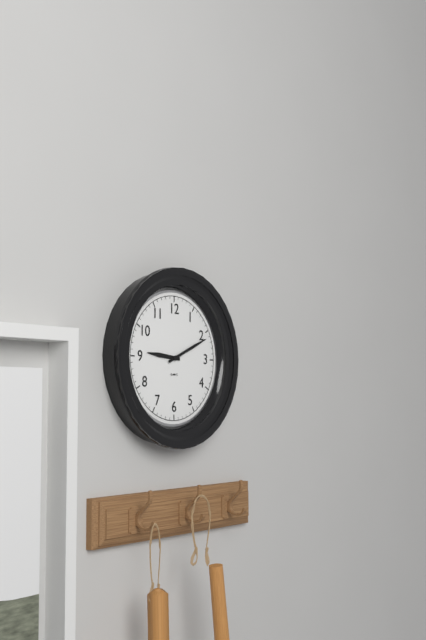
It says h=9 m=11
